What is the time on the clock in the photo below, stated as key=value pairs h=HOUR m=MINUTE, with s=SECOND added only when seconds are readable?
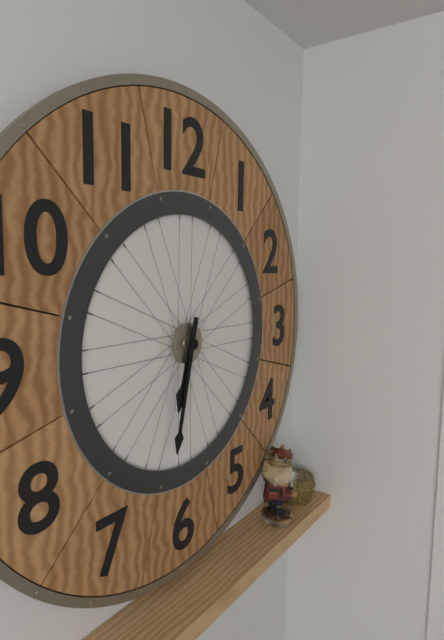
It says h=6 m=32
